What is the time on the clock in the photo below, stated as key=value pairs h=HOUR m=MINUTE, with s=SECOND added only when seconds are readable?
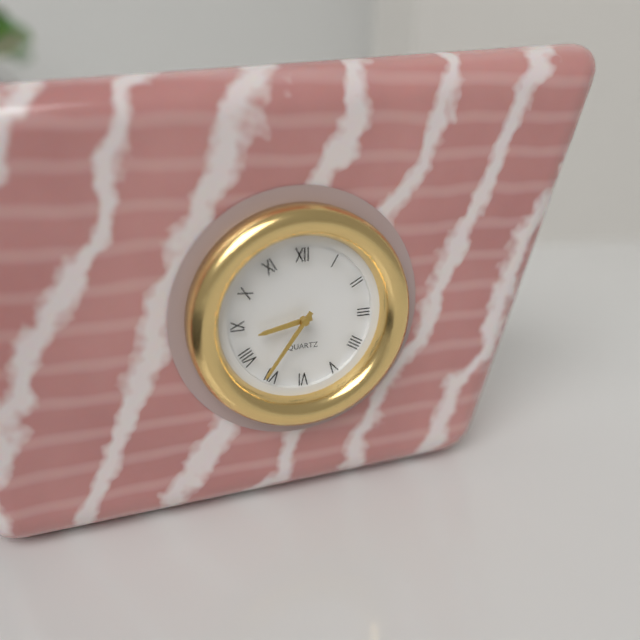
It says h=8 m=36
